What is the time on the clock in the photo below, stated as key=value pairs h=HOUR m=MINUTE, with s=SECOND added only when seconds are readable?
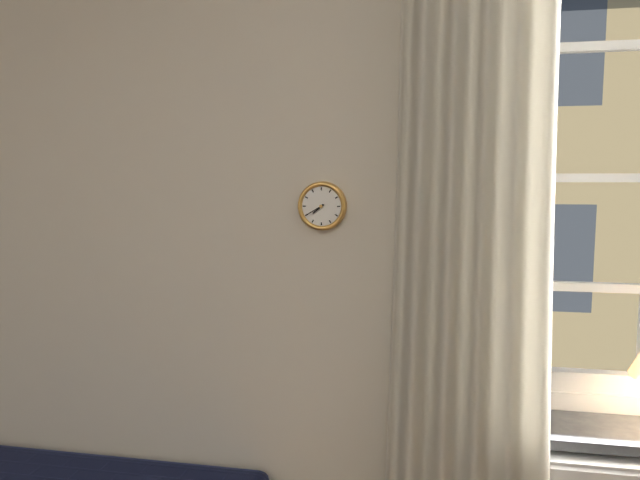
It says h=7 m=40
